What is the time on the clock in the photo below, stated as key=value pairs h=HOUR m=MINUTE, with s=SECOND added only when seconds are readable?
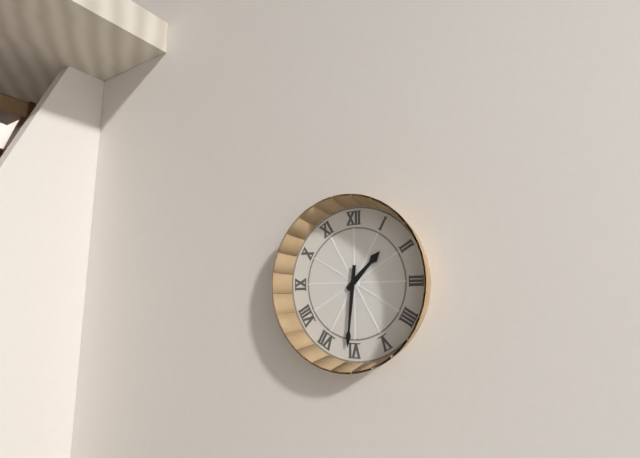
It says h=1 m=31
